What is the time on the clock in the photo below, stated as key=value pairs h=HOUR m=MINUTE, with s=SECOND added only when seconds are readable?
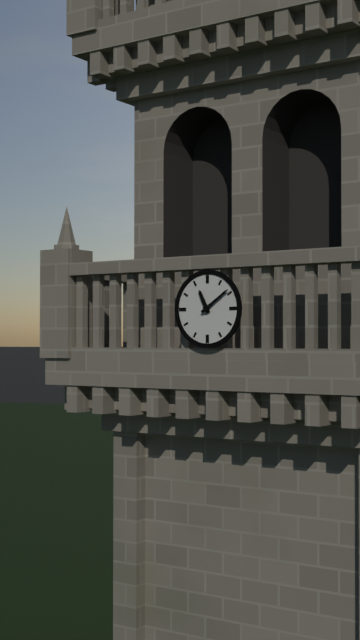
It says h=11 m=9
